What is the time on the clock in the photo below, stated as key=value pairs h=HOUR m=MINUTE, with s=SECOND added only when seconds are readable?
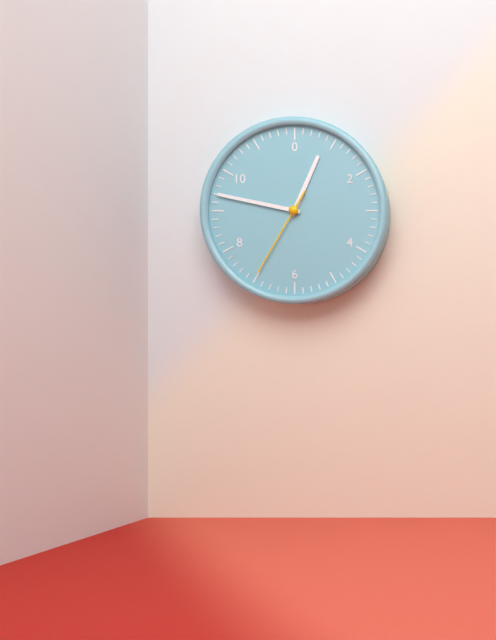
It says h=12 m=47 s=35
